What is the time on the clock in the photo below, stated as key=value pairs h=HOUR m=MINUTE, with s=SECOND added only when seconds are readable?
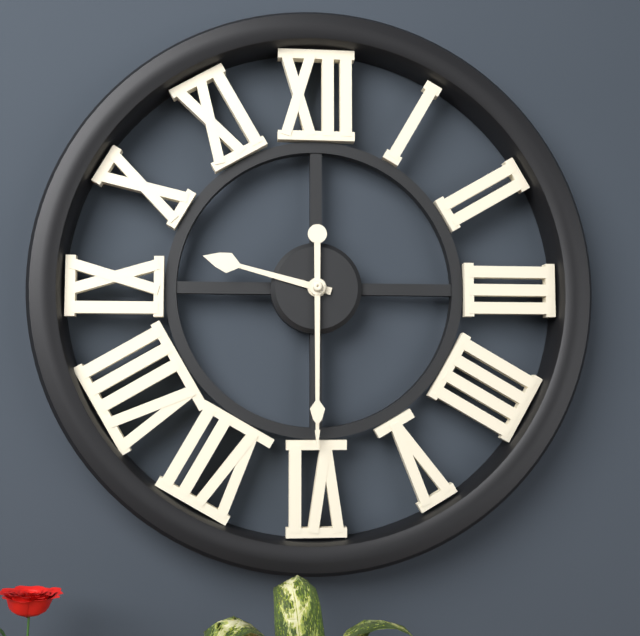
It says h=9 m=30
